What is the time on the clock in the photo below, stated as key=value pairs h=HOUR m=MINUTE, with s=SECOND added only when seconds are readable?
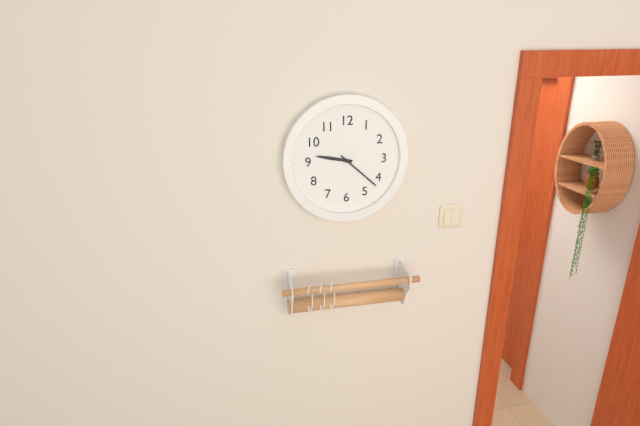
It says h=9 m=22
